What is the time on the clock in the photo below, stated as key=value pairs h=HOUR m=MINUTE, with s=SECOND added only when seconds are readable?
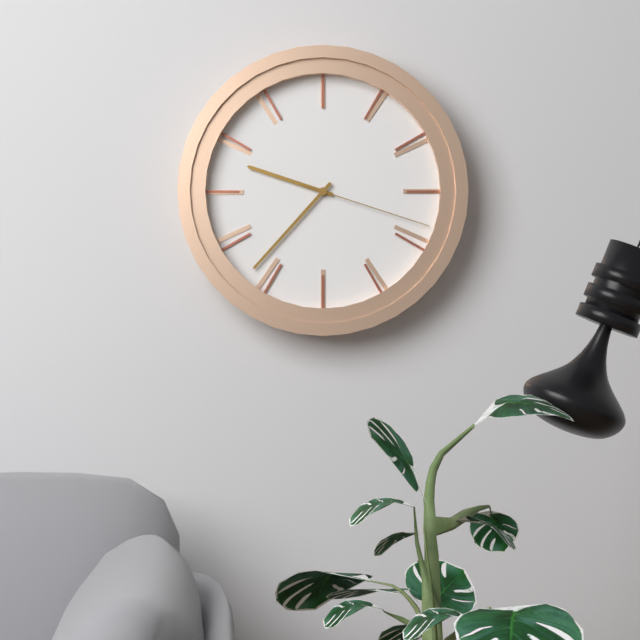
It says h=9 m=37 s=18
